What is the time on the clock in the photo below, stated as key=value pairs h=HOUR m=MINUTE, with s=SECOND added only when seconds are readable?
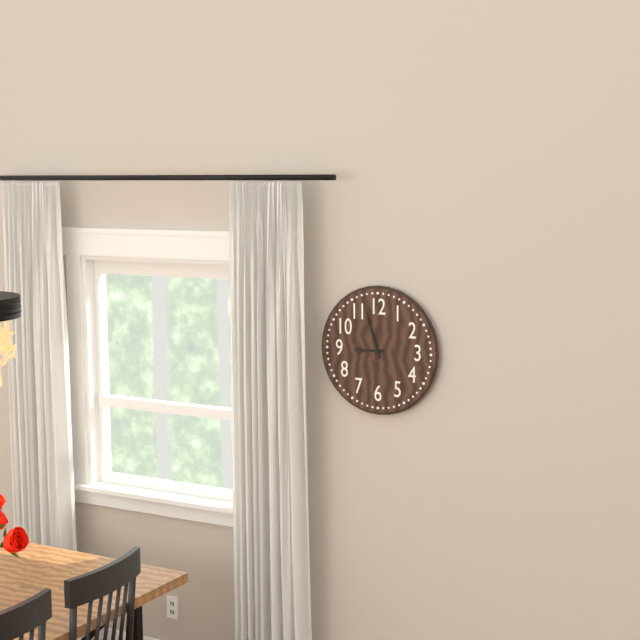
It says h=8 m=57
